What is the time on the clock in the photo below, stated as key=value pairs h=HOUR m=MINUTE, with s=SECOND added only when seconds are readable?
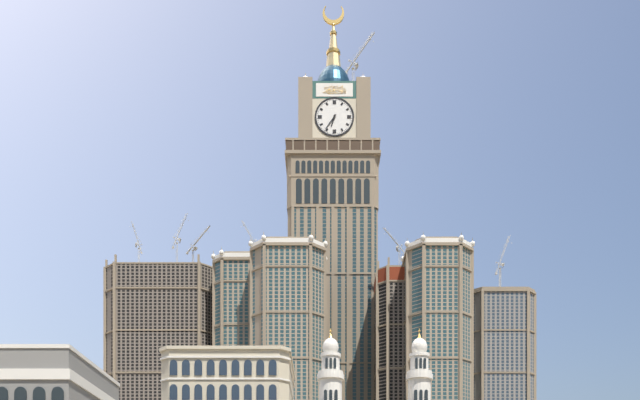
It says h=6 m=36
